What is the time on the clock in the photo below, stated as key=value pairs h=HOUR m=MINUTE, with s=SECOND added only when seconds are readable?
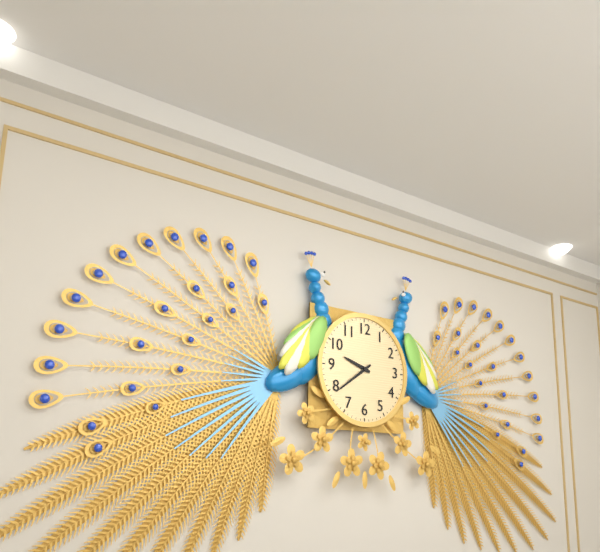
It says h=9 m=39
